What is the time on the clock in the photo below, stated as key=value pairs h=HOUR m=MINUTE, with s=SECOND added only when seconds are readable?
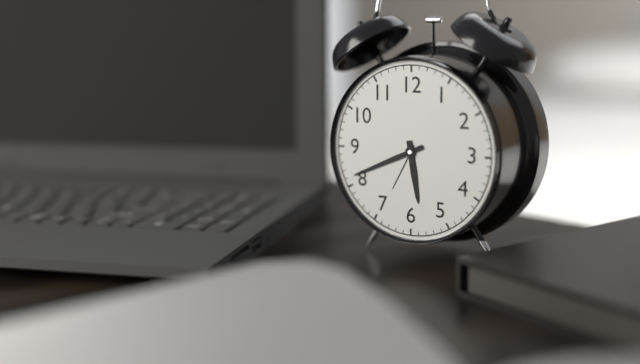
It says h=5 m=41
